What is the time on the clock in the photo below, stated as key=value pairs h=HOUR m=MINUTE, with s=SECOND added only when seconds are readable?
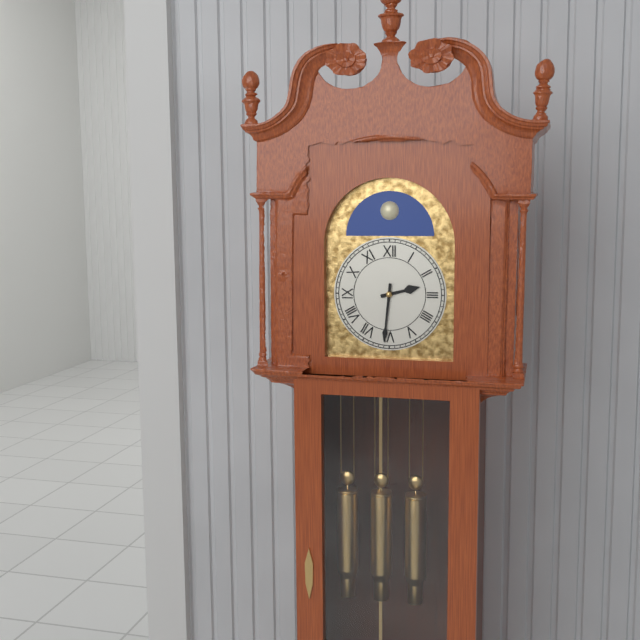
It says h=2 m=31
